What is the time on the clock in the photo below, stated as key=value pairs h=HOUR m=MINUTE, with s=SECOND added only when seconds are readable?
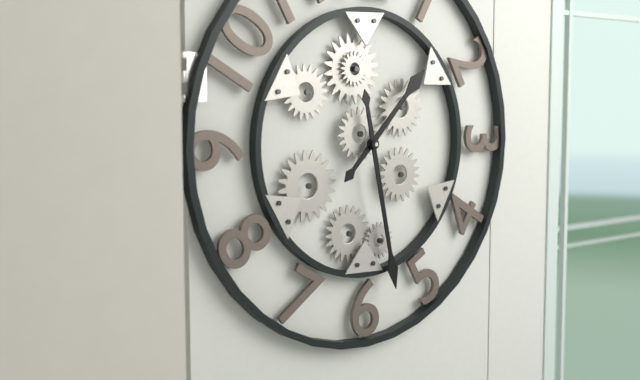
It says h=1 m=28
